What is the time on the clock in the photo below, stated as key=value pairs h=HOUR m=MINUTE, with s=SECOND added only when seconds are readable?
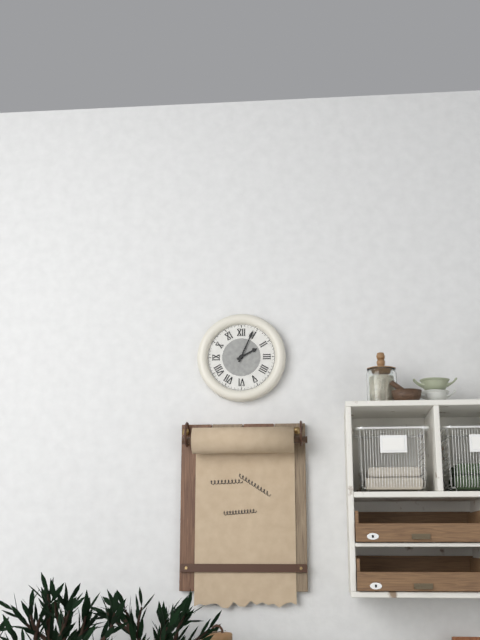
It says h=2 m=4
